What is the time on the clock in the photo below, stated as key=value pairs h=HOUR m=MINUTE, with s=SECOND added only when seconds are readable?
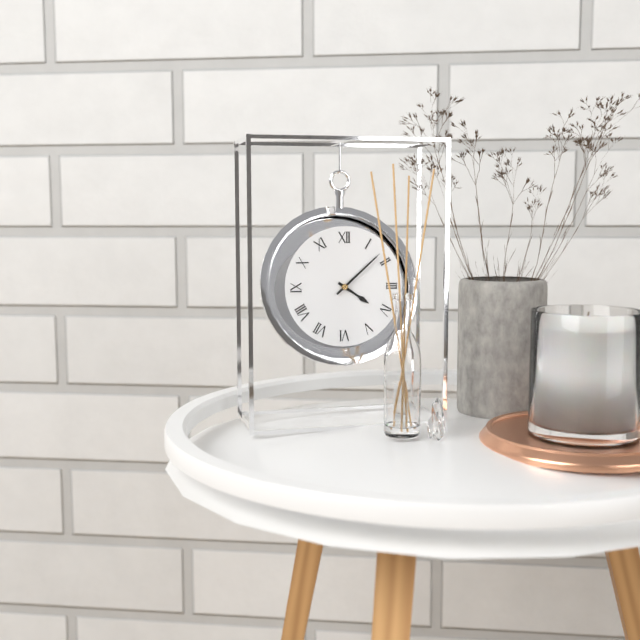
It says h=4 m=8
